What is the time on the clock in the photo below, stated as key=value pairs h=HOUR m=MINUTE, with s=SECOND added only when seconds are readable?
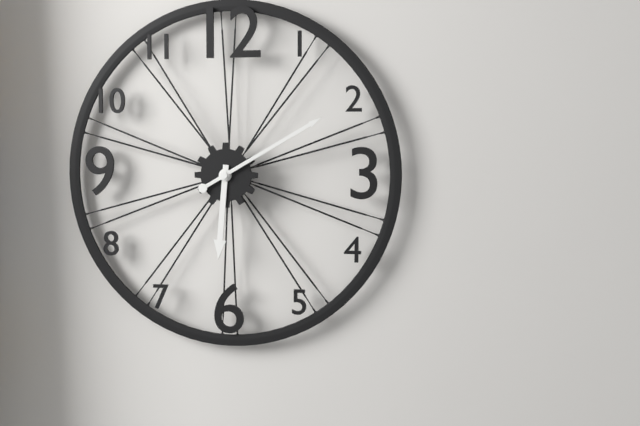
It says h=6 m=10
